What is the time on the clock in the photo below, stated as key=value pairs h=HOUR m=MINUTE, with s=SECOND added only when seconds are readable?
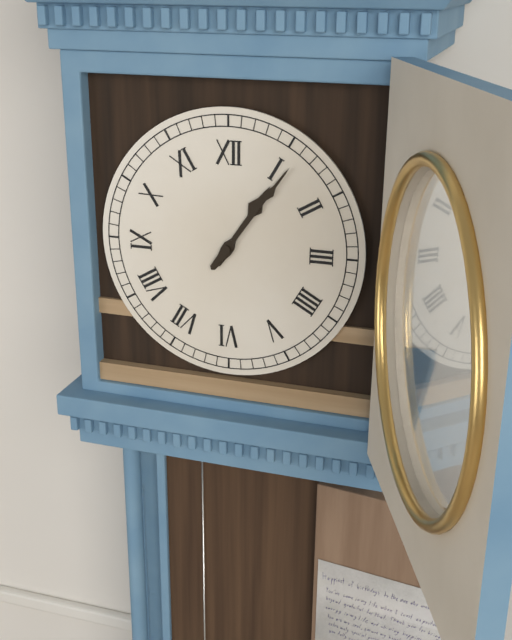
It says h=1 m=6
